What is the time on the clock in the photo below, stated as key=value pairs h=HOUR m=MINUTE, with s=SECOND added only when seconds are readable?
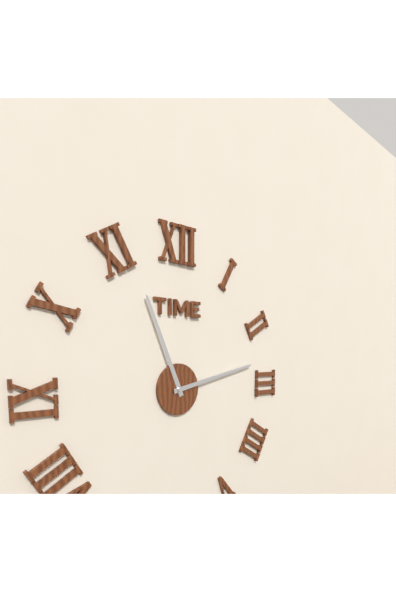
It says h=11 m=13
